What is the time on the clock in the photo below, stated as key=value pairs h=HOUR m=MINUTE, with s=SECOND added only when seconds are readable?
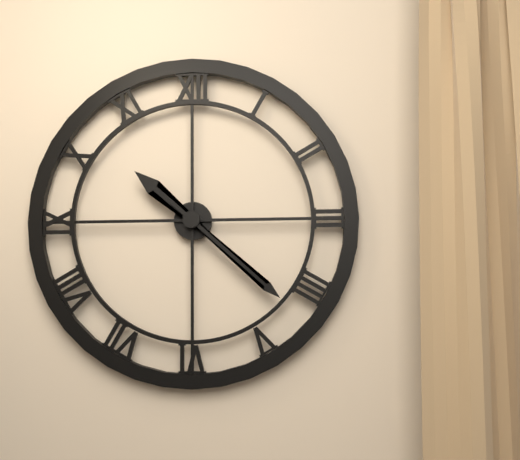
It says h=10 m=22
